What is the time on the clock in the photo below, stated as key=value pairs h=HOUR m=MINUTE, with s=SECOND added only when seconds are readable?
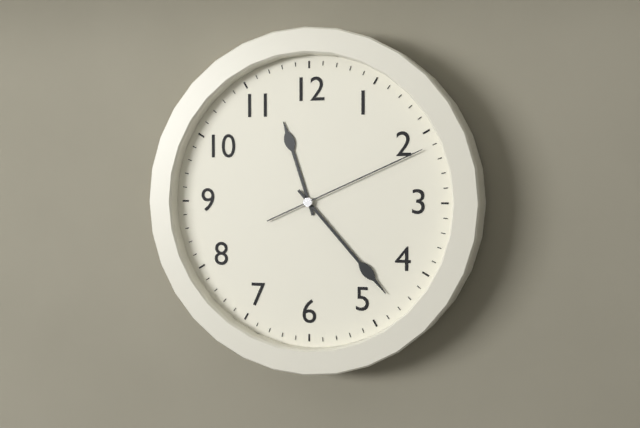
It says h=11 m=23 s=11
